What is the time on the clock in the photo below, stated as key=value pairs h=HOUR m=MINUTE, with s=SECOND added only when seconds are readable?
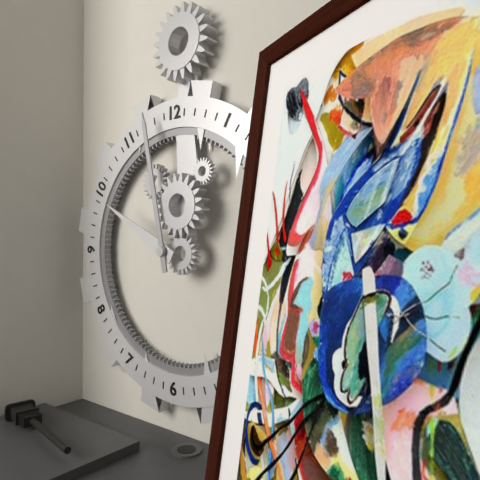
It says h=9 m=58
